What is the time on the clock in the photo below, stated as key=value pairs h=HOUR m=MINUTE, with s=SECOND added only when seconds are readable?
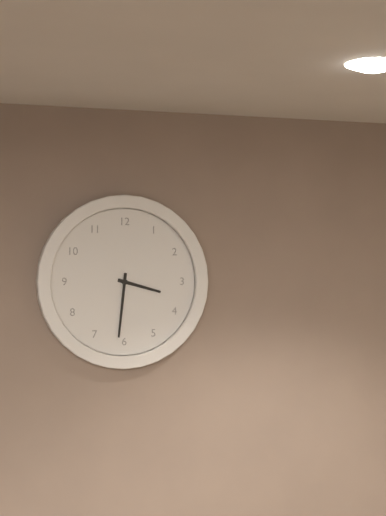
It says h=3 m=31
